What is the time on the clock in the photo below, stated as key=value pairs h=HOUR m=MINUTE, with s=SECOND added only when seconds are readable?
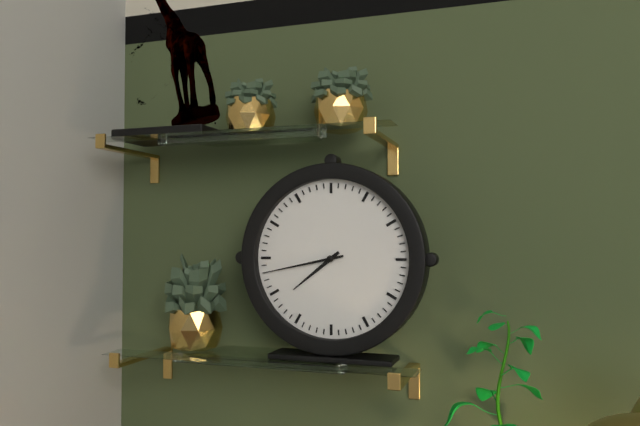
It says h=7 m=43
